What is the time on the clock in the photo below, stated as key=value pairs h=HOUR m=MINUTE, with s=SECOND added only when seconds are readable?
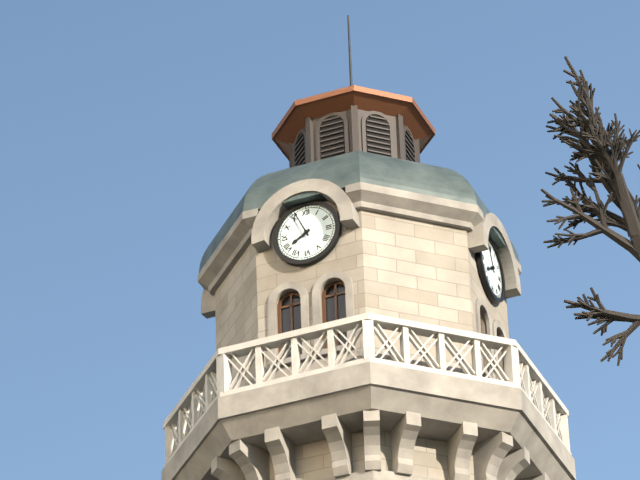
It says h=7 m=56
